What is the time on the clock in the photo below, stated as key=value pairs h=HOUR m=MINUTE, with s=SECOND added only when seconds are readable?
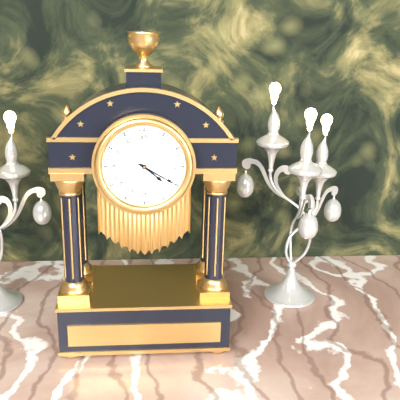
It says h=4 m=20
